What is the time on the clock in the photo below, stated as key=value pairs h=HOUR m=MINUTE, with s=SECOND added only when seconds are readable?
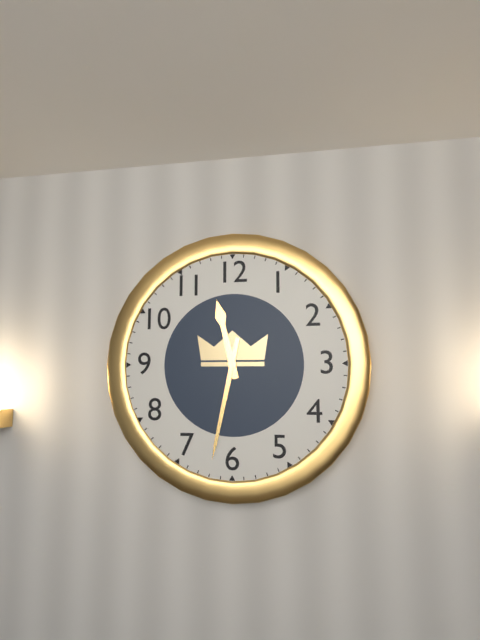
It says h=11 m=32
